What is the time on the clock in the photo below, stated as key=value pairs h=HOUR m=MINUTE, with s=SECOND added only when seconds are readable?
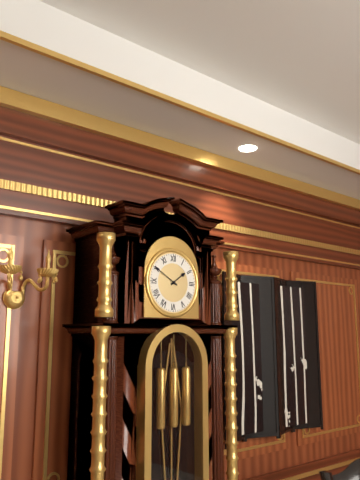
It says h=1 m=50
